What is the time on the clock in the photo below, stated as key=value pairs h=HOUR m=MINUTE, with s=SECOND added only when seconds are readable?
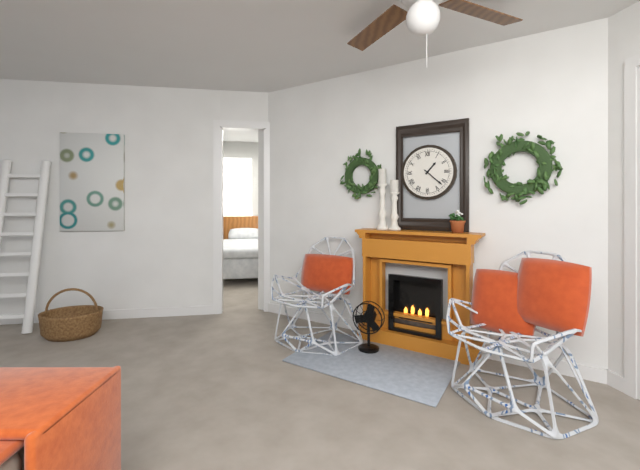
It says h=1 m=22
